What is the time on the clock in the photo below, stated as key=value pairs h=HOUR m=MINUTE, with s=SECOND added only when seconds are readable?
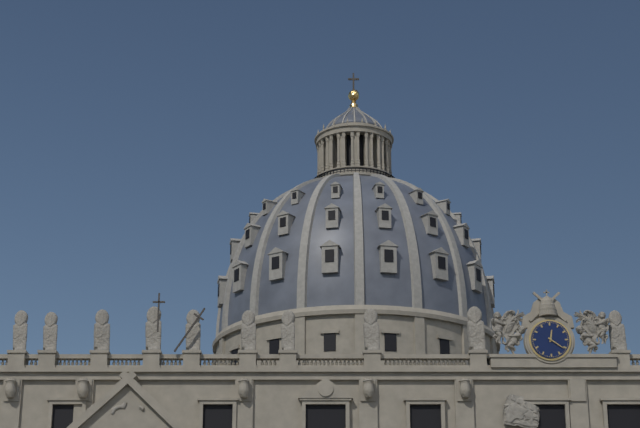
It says h=12 m=21
